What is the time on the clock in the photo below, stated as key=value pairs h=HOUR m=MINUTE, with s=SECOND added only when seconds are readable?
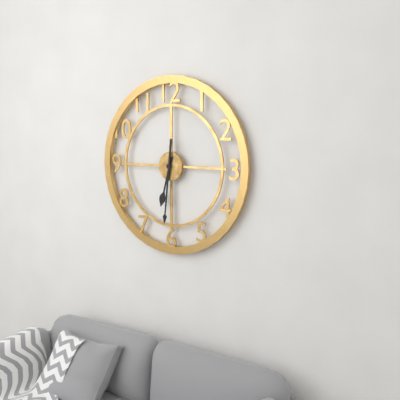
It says h=6 m=31
